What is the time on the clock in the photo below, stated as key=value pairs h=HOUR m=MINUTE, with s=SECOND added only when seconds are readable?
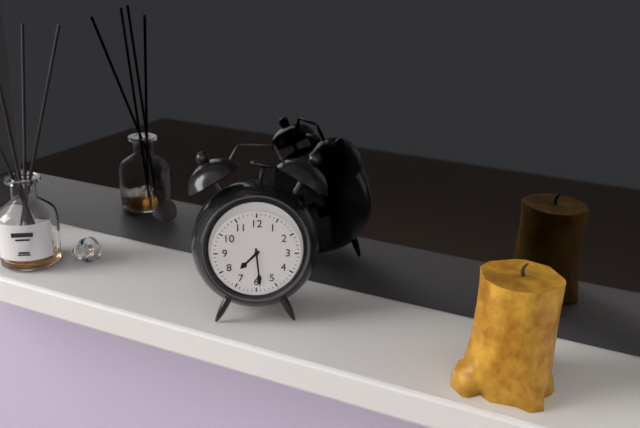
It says h=7 m=29
